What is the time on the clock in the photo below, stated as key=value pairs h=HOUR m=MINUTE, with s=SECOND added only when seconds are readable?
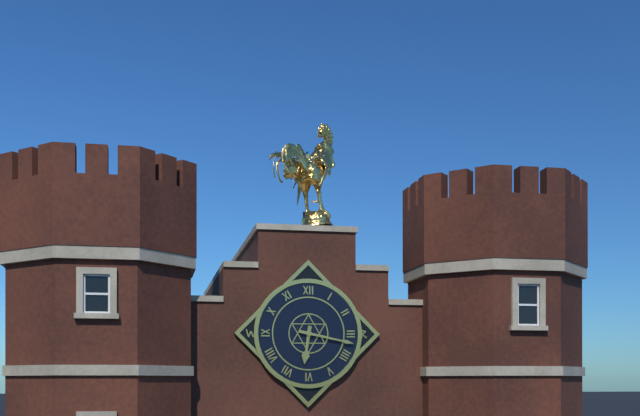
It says h=6 m=17
